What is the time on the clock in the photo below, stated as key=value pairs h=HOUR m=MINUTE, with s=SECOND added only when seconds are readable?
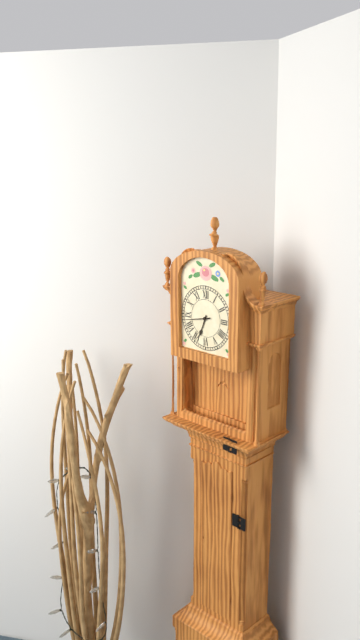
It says h=6 m=43
